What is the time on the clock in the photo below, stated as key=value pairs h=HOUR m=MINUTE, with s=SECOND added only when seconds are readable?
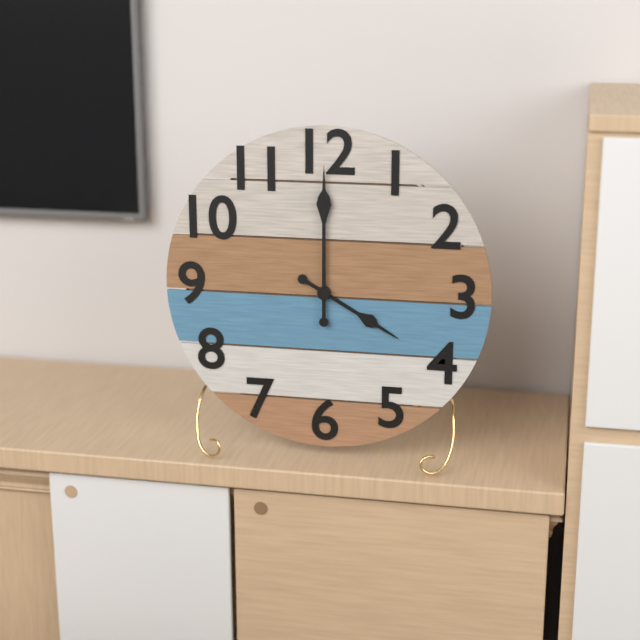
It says h=4 m=0
